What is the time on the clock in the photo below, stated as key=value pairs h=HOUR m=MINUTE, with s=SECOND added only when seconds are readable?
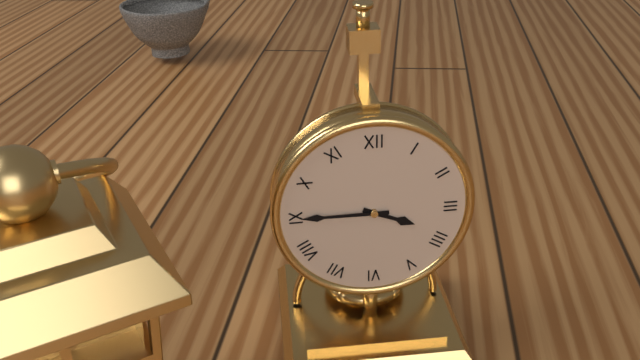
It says h=3 m=45
